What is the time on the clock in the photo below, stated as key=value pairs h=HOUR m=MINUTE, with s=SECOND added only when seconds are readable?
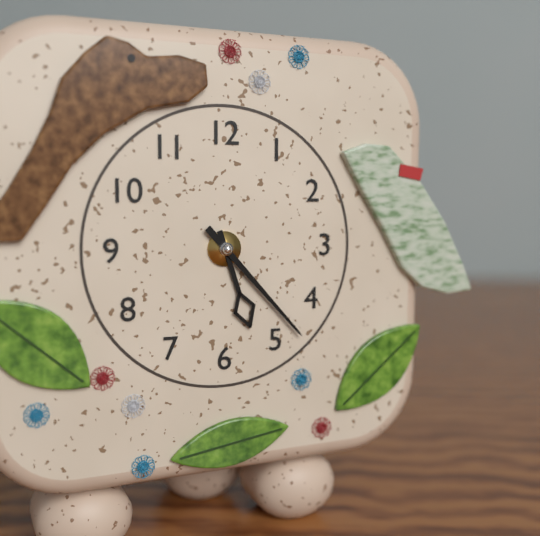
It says h=5 m=23
